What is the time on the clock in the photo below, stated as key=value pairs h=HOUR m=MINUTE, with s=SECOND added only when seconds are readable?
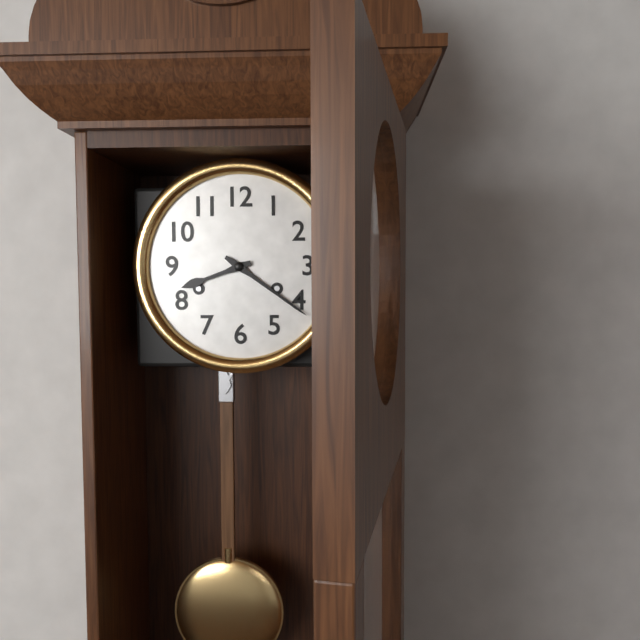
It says h=8 m=21
